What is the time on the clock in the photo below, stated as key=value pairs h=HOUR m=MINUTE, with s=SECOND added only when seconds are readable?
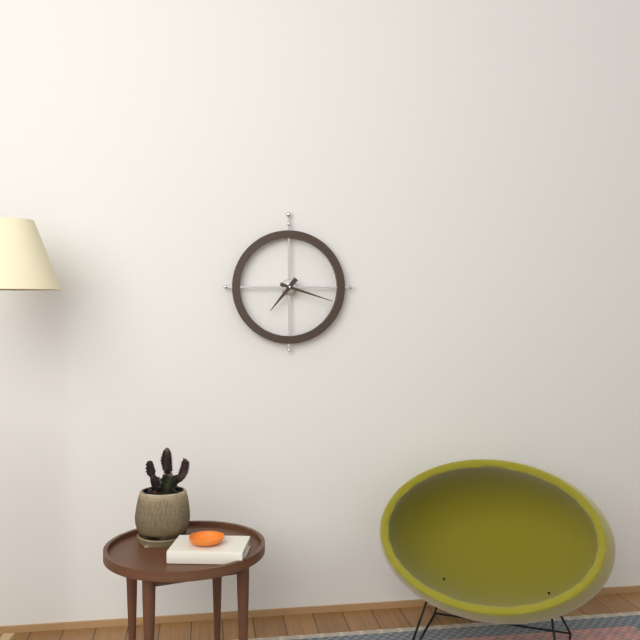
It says h=7 m=18
